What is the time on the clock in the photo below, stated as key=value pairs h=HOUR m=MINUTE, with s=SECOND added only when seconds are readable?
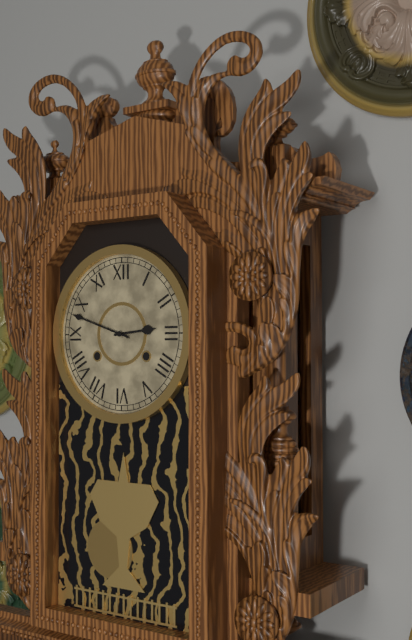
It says h=2 m=48
